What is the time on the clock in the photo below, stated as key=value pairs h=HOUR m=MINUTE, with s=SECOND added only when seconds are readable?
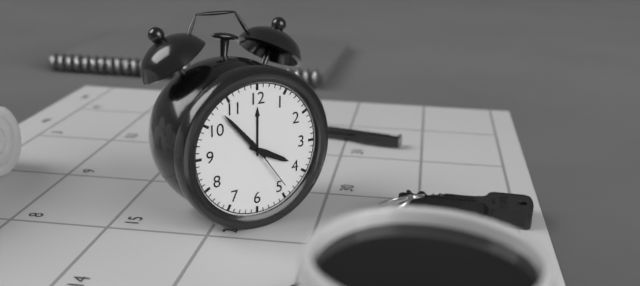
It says h=3 m=53 s=24
